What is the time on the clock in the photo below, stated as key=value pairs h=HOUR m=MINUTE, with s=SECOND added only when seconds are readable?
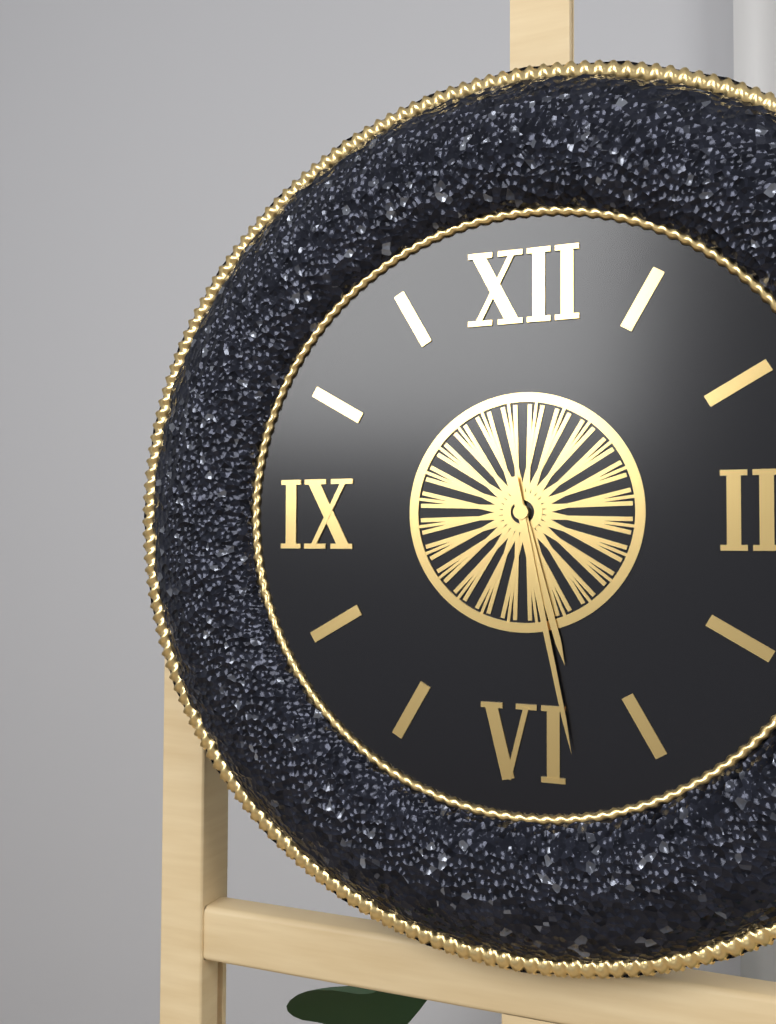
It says h=5 m=28
